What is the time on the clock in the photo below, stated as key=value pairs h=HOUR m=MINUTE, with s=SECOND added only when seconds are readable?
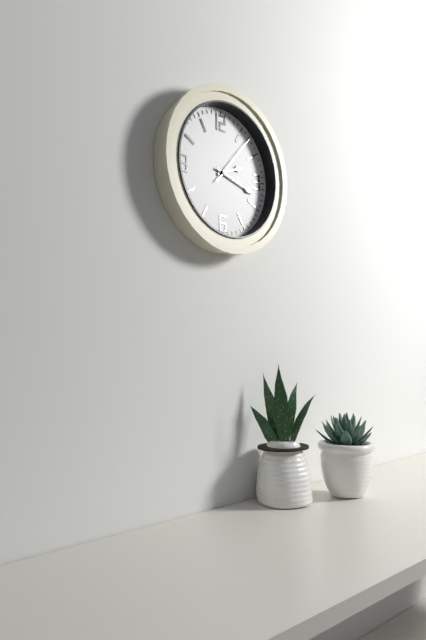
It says h=2 m=18 s=7
